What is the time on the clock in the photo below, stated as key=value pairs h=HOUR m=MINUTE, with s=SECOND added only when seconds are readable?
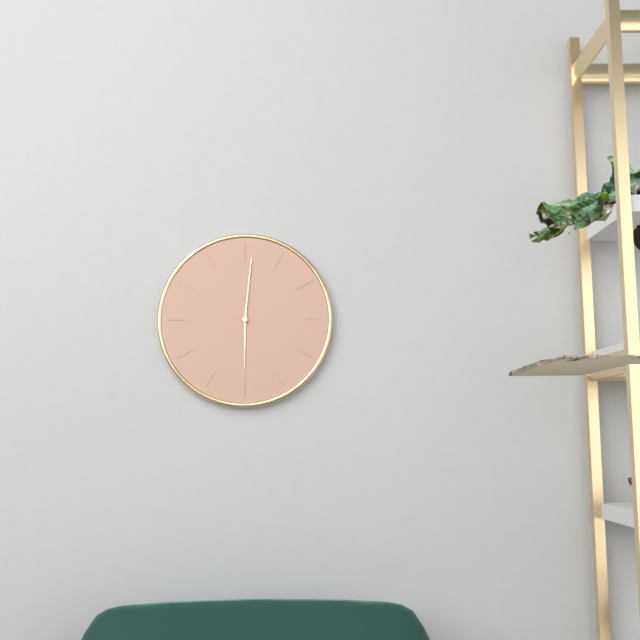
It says h=6 m=1
